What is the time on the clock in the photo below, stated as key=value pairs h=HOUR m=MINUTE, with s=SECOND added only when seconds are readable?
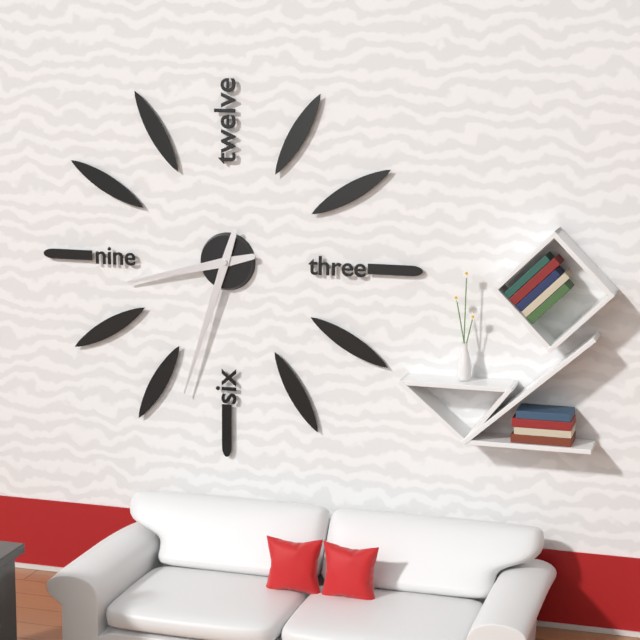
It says h=8 m=33
